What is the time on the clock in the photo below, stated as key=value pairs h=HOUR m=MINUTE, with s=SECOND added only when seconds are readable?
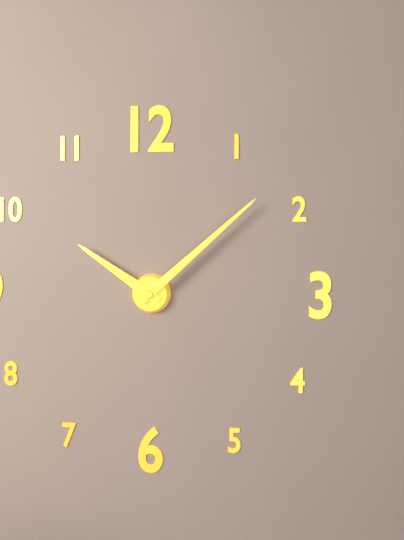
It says h=10 m=8
